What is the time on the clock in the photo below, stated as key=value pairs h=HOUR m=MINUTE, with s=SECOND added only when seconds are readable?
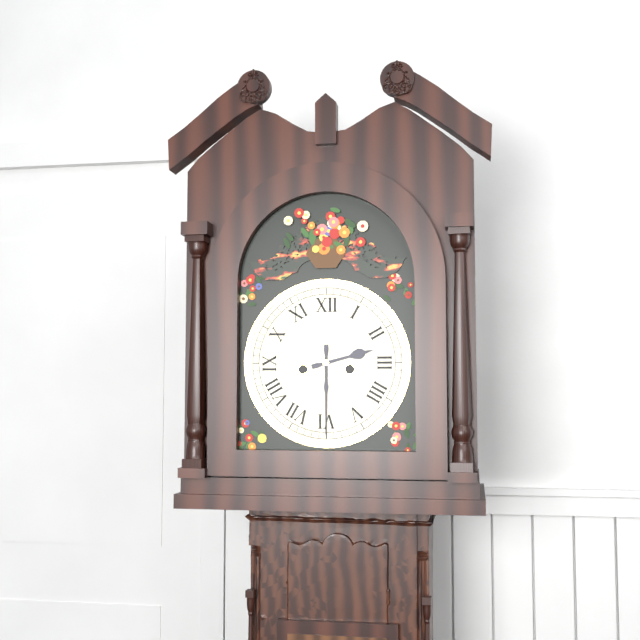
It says h=2 m=30
